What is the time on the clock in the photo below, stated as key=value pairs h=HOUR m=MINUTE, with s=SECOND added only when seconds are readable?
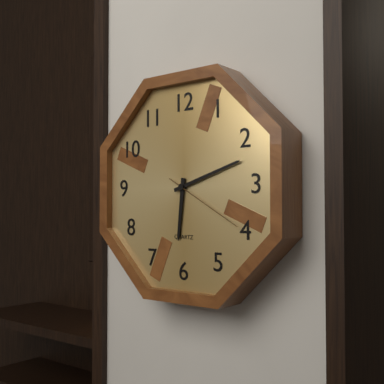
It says h=6 m=12 s=20
